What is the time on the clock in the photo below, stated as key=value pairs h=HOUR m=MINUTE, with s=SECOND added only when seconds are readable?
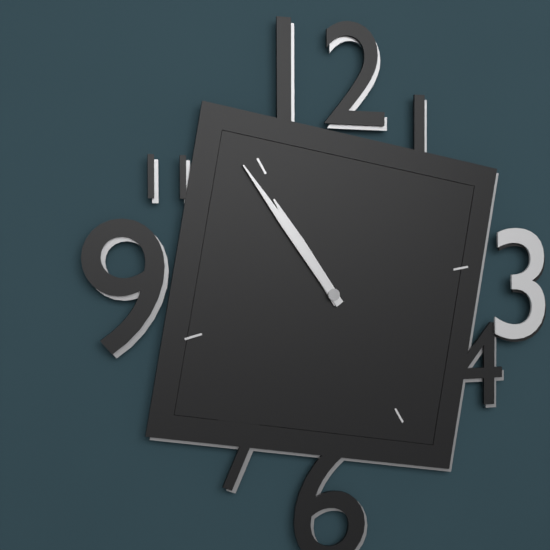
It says h=10 m=54
